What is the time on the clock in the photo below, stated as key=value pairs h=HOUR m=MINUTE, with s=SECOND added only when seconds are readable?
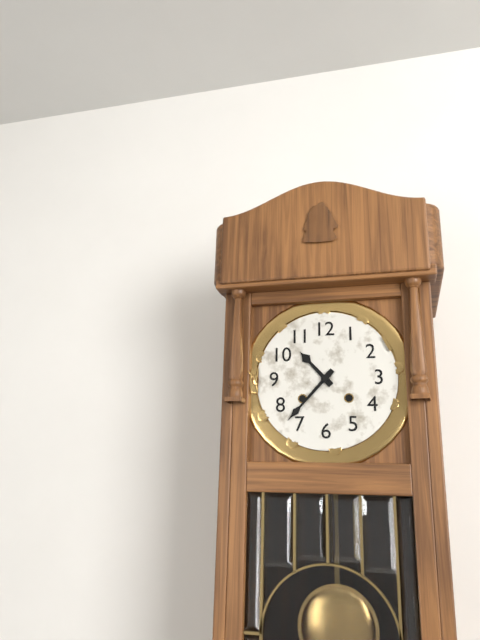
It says h=10 m=37
